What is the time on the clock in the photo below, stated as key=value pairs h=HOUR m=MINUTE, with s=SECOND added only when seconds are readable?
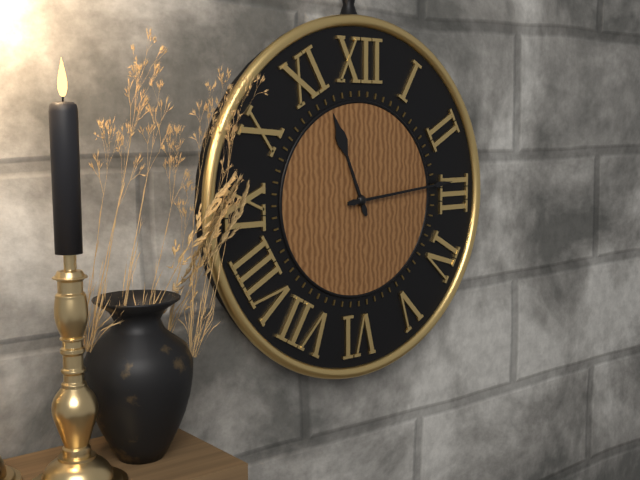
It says h=11 m=14
